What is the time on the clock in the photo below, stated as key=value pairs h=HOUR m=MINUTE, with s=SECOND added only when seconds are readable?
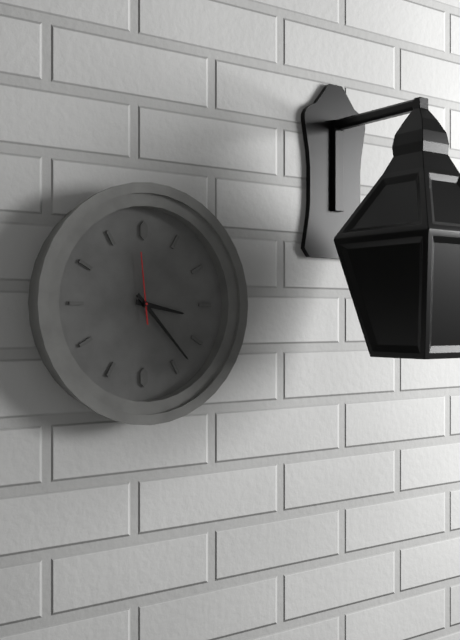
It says h=3 m=23 s=59
